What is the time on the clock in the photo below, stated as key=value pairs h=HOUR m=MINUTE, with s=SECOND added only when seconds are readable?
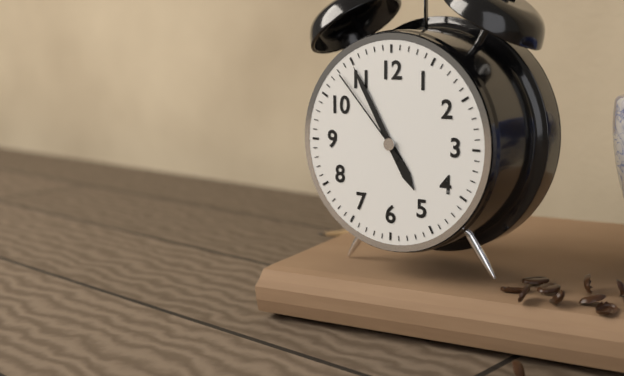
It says h=4 m=55 s=53
